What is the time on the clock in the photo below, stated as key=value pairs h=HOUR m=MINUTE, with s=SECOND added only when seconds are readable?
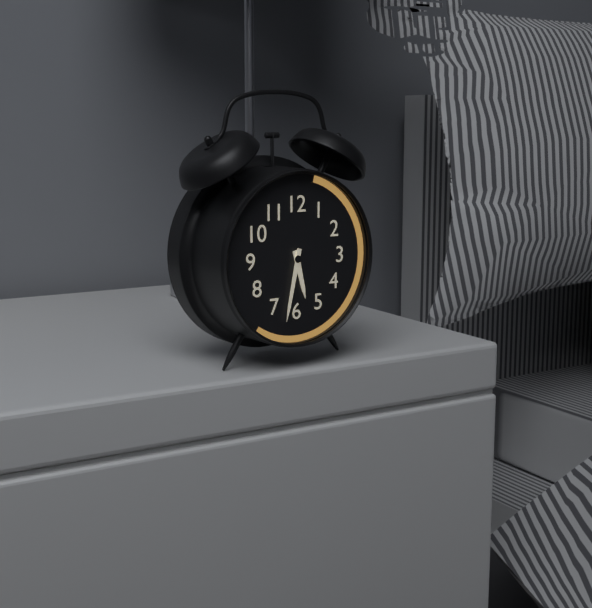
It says h=5 m=32
